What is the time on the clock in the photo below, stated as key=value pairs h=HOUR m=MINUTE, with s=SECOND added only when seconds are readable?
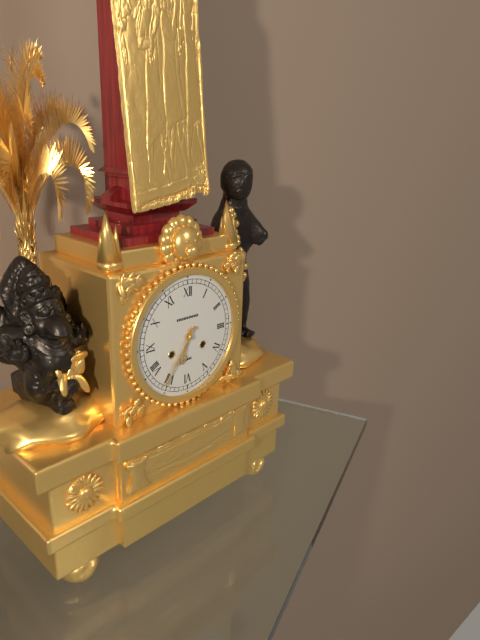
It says h=6 m=36
